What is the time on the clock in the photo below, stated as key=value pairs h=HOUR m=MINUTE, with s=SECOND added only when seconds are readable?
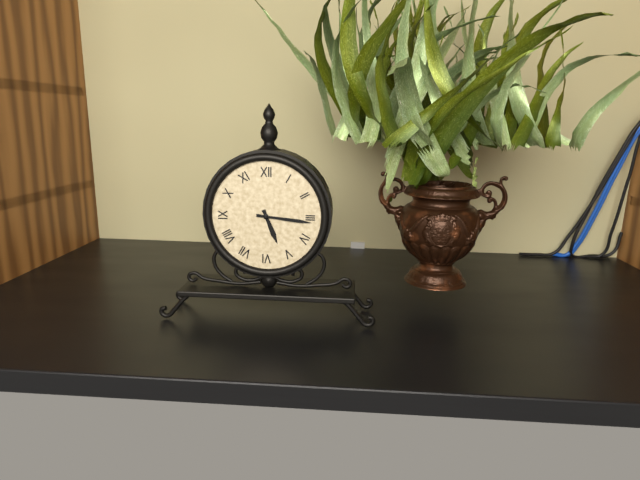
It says h=5 m=16
